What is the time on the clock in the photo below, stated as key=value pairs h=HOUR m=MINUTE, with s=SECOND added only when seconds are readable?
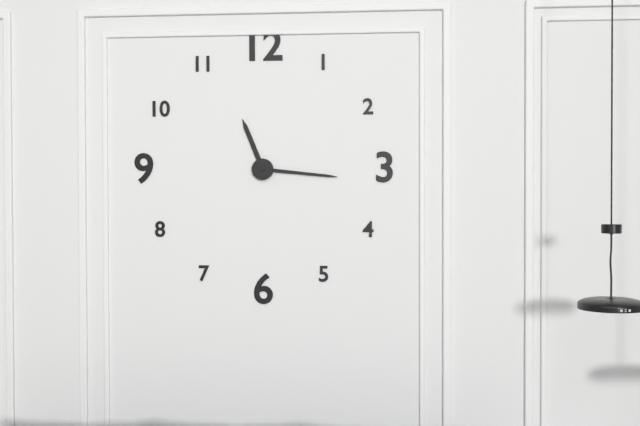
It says h=11 m=16
